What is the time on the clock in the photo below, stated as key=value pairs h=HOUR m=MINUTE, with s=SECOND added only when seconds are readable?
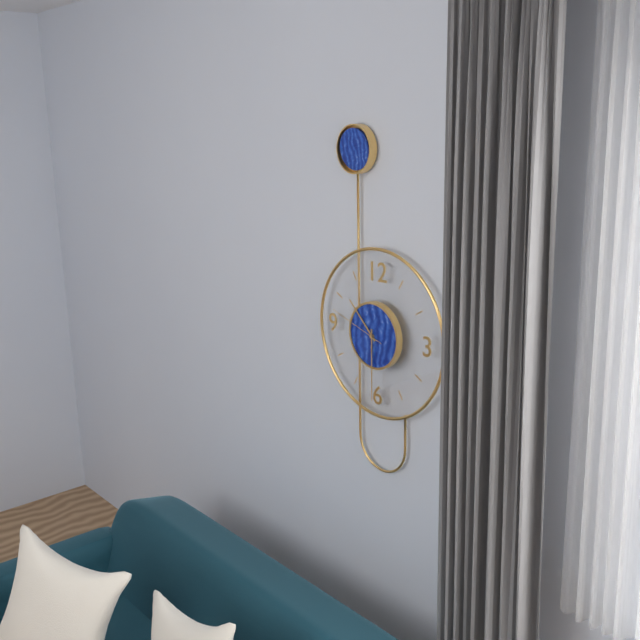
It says h=10 m=30 s=48
